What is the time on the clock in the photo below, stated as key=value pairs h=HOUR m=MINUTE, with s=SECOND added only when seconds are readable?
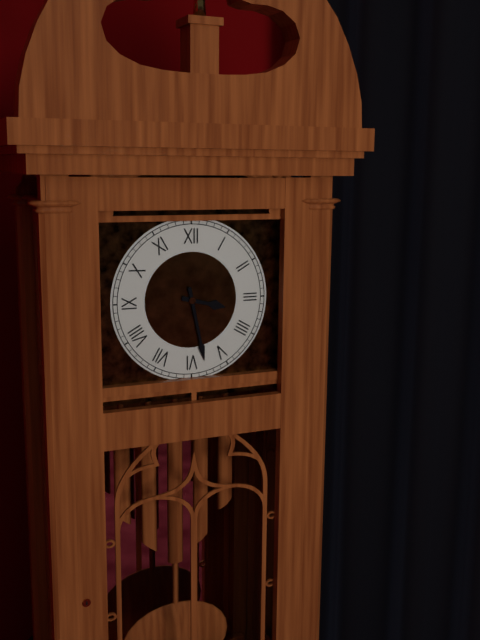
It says h=3 m=28
